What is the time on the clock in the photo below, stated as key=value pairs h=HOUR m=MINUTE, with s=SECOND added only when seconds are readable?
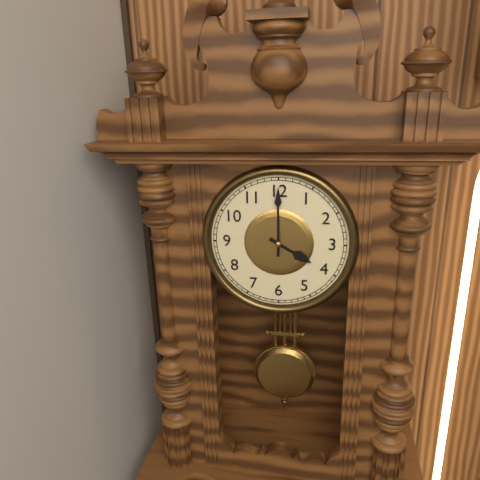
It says h=4 m=0
